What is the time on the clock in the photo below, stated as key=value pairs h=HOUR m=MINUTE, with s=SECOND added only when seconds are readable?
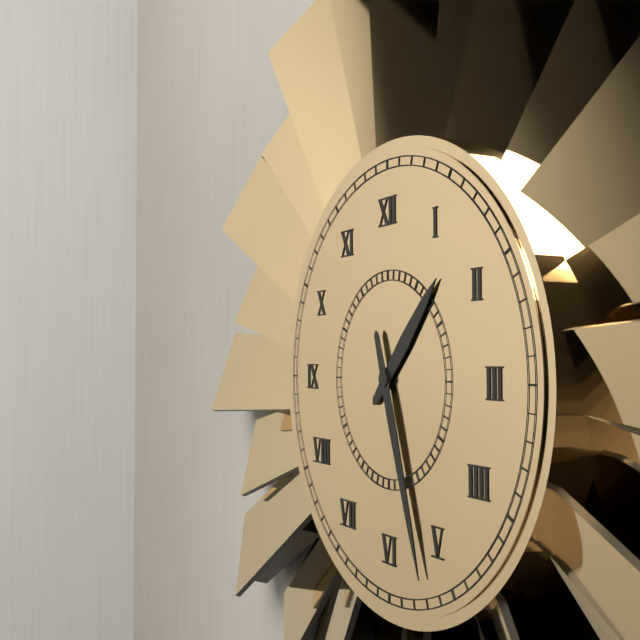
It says h=1 m=27
